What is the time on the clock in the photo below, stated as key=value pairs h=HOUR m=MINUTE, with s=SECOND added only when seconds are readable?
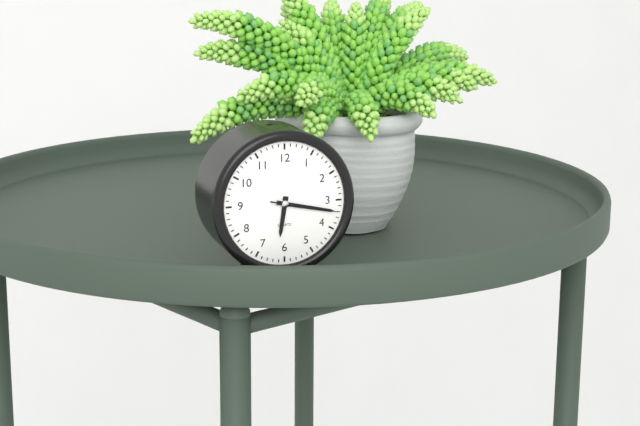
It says h=6 m=17 s=17
